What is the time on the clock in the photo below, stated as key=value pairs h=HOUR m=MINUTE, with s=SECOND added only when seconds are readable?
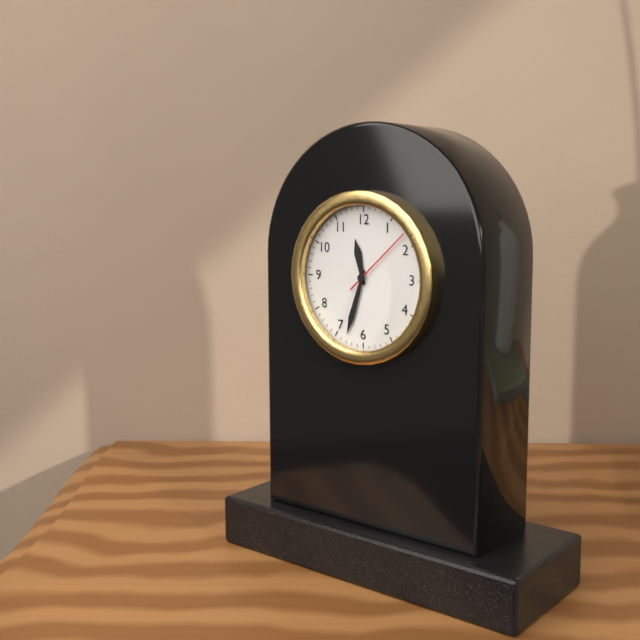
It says h=11 m=33 s=8
